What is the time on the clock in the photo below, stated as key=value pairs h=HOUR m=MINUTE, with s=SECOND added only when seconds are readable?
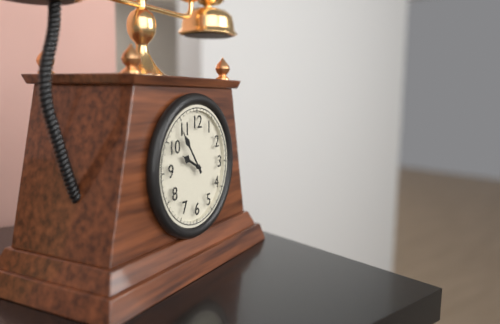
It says h=9 m=54
